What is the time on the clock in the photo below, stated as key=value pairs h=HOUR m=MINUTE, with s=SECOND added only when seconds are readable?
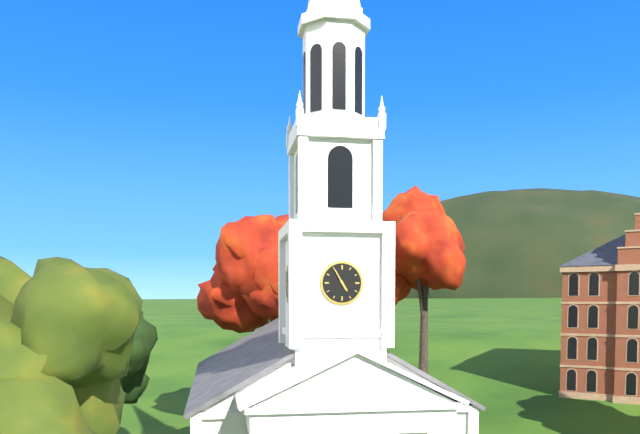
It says h=4 m=55
